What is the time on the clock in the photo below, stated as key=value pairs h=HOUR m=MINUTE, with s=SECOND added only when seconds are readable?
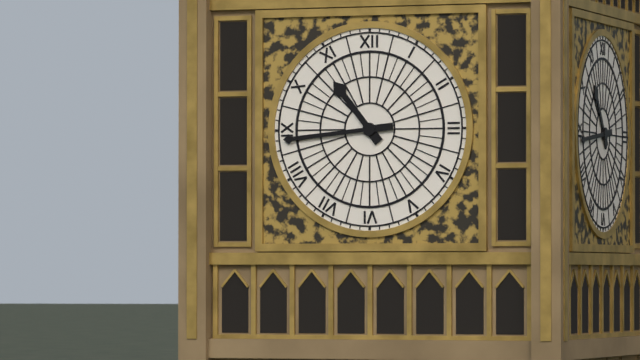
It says h=10 m=44
